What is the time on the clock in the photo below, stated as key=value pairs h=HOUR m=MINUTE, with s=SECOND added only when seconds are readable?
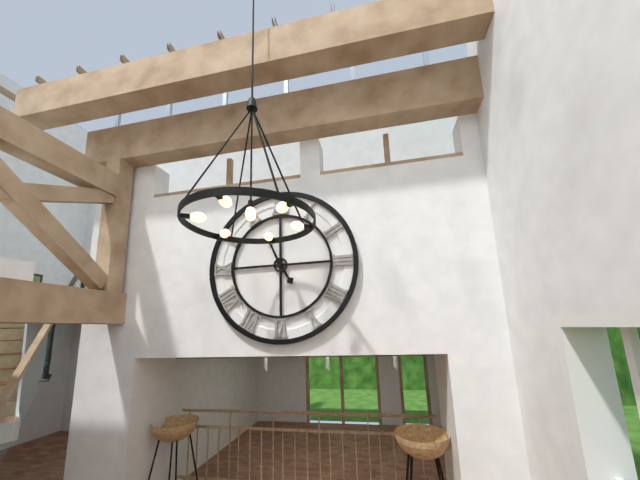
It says h=4 m=56
